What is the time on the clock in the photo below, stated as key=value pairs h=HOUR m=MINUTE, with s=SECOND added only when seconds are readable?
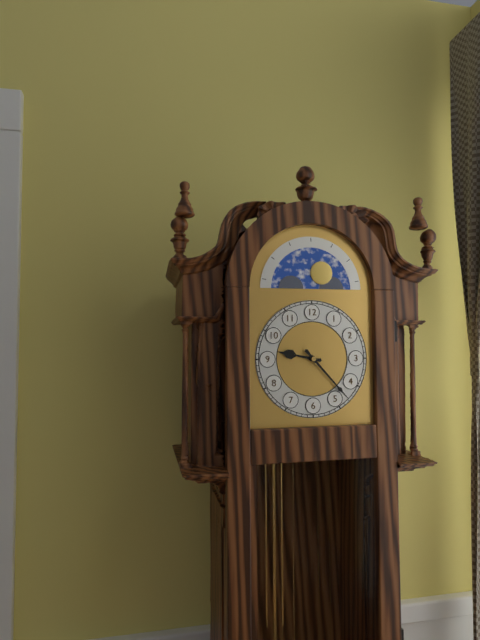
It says h=9 m=23
